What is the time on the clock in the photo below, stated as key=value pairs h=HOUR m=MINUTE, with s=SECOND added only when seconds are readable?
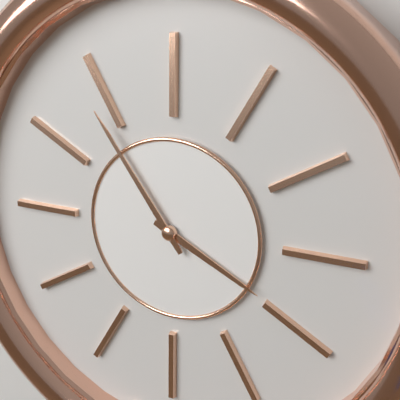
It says h=3 m=54
